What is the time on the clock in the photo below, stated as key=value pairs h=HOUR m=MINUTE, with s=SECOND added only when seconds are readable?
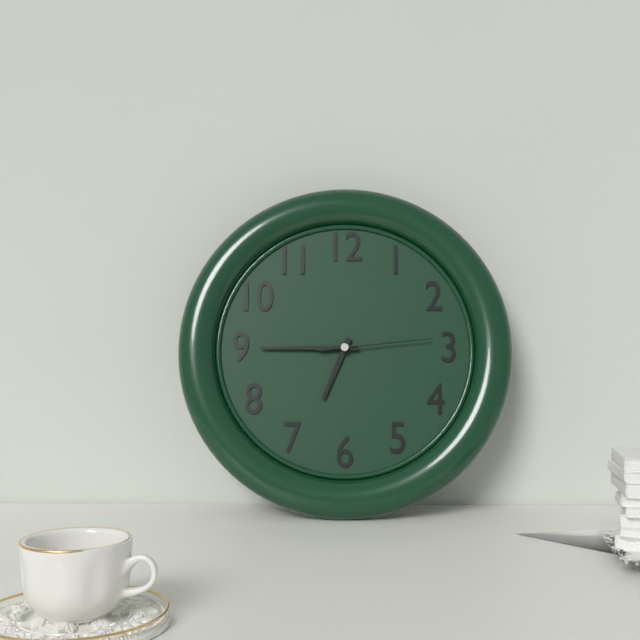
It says h=6 m=45 s=14
